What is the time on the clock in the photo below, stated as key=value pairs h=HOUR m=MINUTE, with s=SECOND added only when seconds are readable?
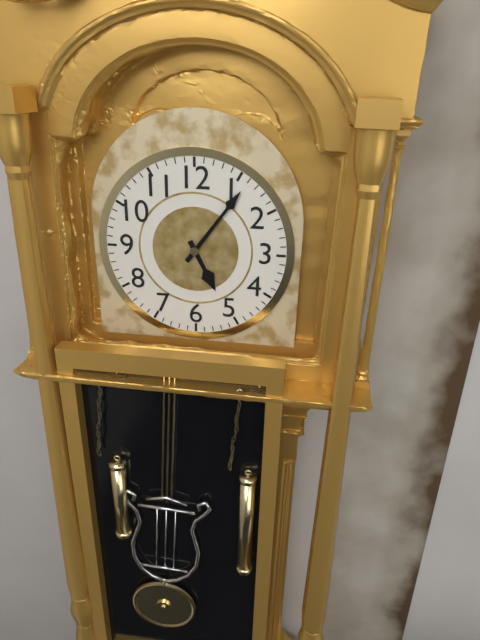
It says h=5 m=6
